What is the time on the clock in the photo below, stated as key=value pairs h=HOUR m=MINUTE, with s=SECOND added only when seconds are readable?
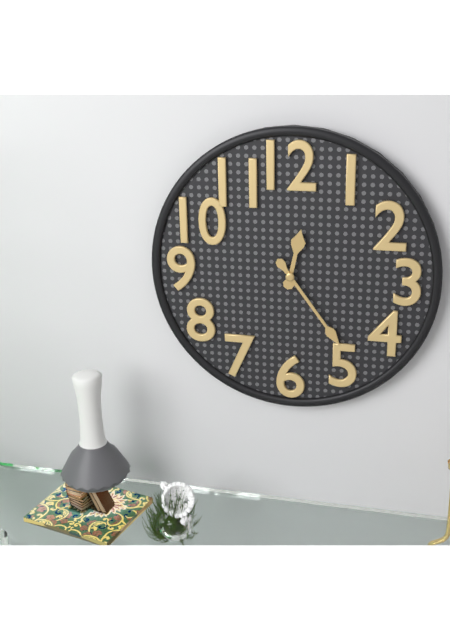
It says h=12 m=24
